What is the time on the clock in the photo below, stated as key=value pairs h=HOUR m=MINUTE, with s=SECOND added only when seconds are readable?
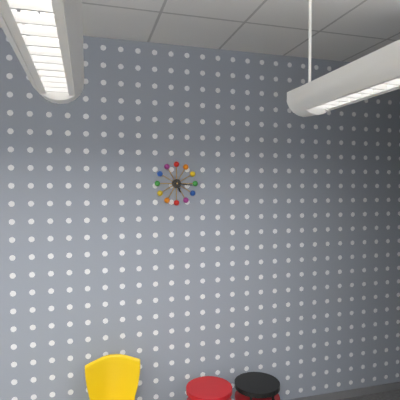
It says h=5 m=16
